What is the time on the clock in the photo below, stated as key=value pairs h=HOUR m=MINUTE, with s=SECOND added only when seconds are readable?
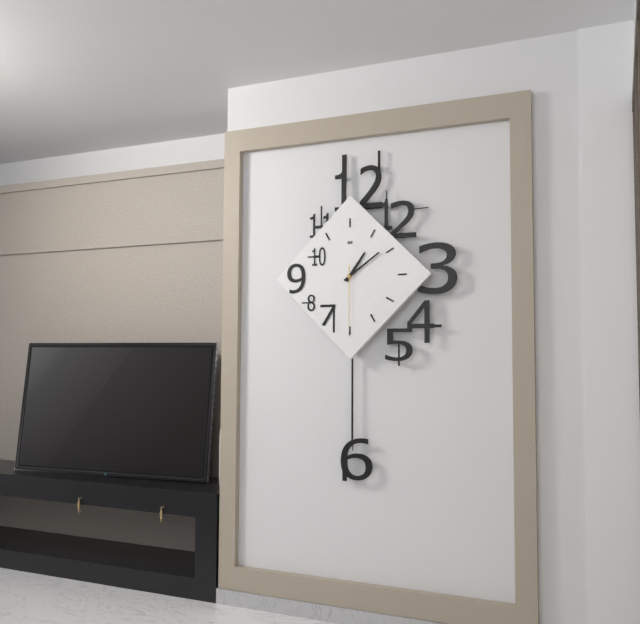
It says h=1 m=9 s=30
